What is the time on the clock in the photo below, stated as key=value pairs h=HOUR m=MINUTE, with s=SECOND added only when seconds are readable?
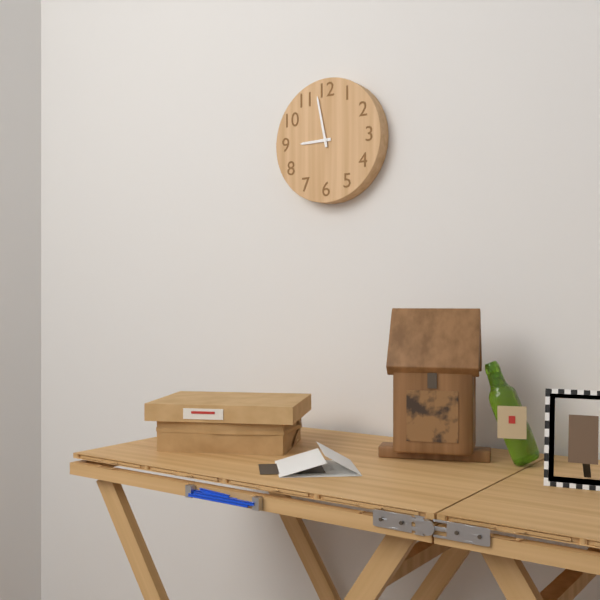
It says h=8 m=58
